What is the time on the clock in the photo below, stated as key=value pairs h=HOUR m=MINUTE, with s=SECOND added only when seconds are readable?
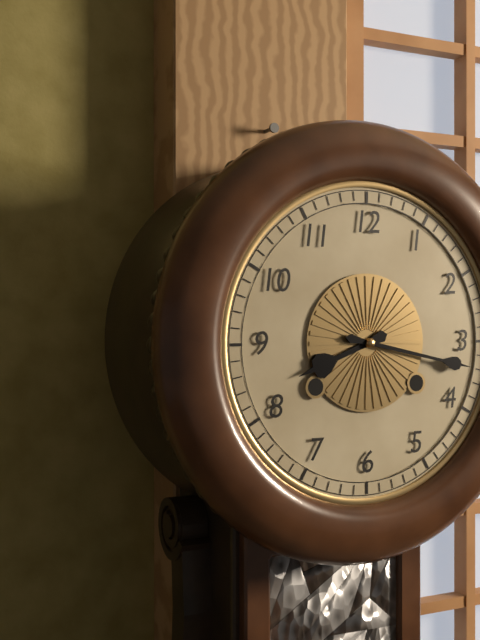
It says h=8 m=17
